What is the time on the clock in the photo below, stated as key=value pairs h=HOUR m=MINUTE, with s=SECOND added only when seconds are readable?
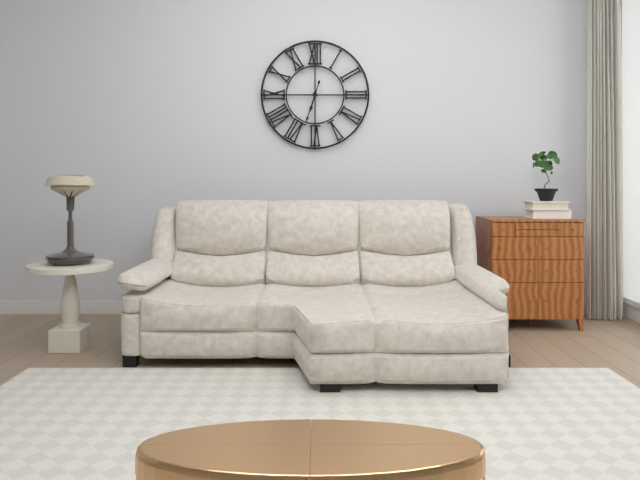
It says h=6 m=33
